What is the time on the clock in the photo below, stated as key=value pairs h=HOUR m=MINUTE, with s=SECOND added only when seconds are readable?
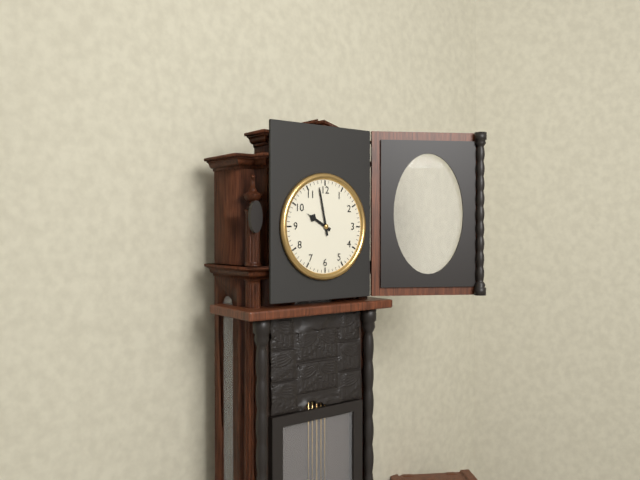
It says h=9 m=58
